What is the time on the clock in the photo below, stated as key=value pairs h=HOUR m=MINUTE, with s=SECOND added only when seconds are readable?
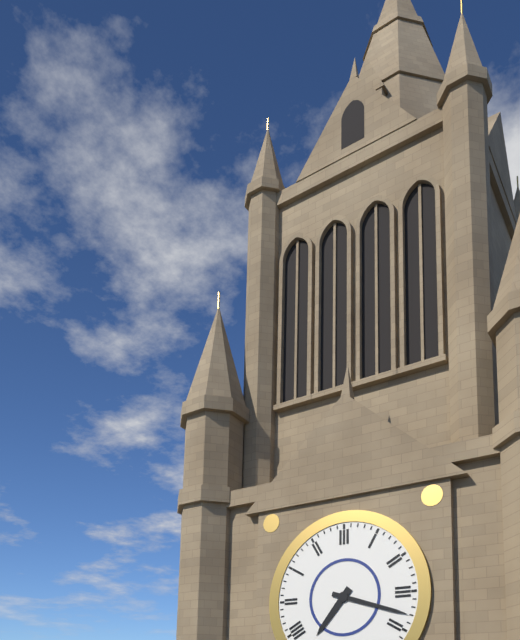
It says h=7 m=18
